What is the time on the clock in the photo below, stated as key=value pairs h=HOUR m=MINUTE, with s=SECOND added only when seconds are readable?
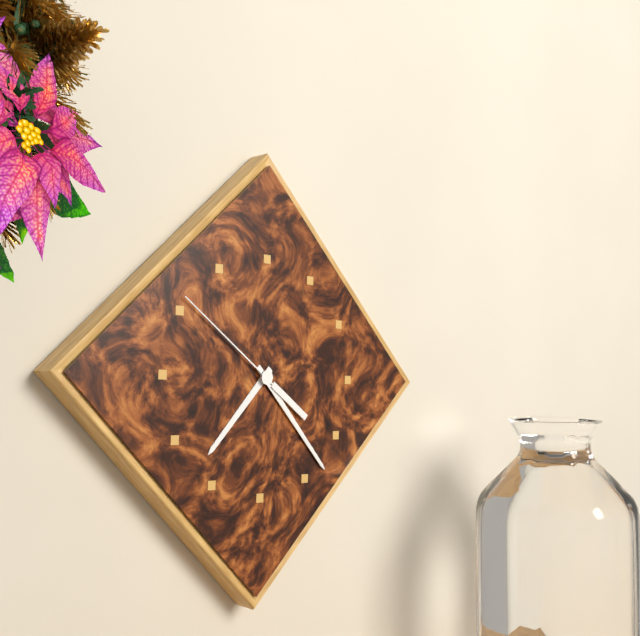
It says h=7 m=23 s=51
